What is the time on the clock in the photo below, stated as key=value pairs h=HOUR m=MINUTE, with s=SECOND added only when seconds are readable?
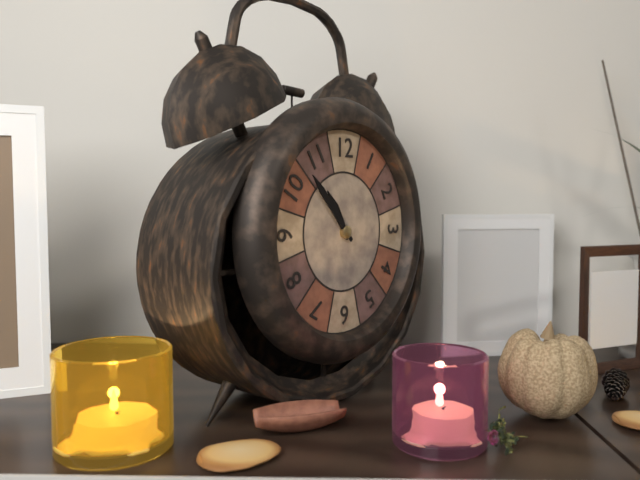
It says h=10 m=53
